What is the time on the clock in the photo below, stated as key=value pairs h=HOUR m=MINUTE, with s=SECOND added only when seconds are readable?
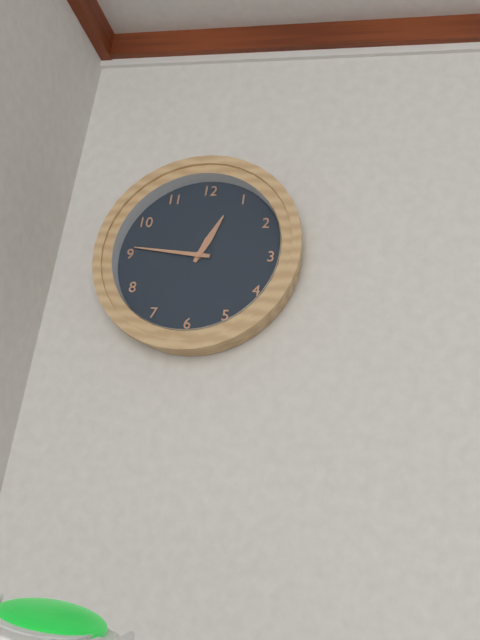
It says h=12 m=46
